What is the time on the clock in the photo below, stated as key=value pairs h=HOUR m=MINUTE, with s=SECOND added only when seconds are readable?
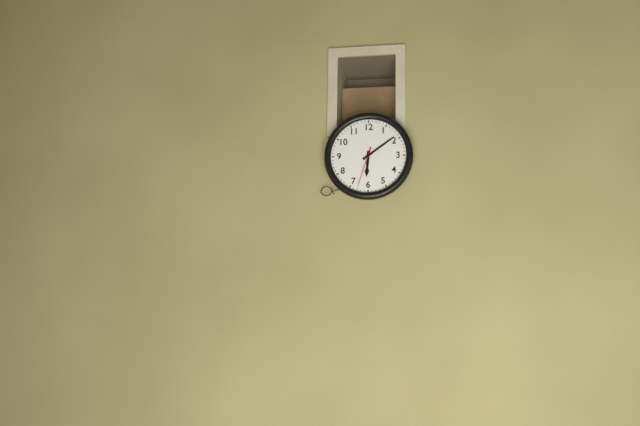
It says h=6 m=9
